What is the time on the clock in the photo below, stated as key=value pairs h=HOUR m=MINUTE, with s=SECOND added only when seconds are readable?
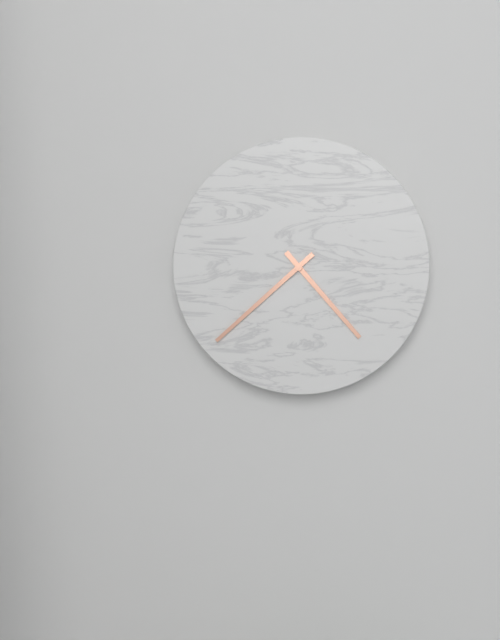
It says h=4 m=38
